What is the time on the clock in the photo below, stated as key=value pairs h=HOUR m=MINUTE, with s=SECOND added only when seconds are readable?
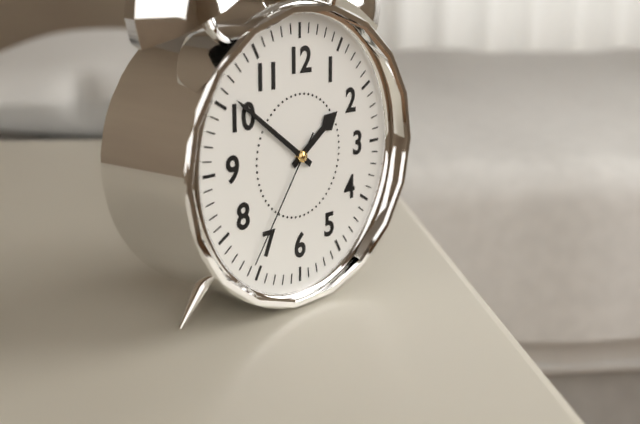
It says h=1 m=51 s=36
